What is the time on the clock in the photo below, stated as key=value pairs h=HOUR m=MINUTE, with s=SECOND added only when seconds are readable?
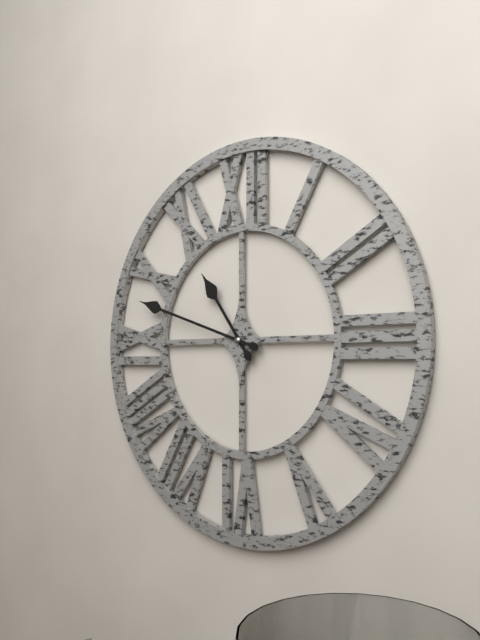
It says h=10 m=48
